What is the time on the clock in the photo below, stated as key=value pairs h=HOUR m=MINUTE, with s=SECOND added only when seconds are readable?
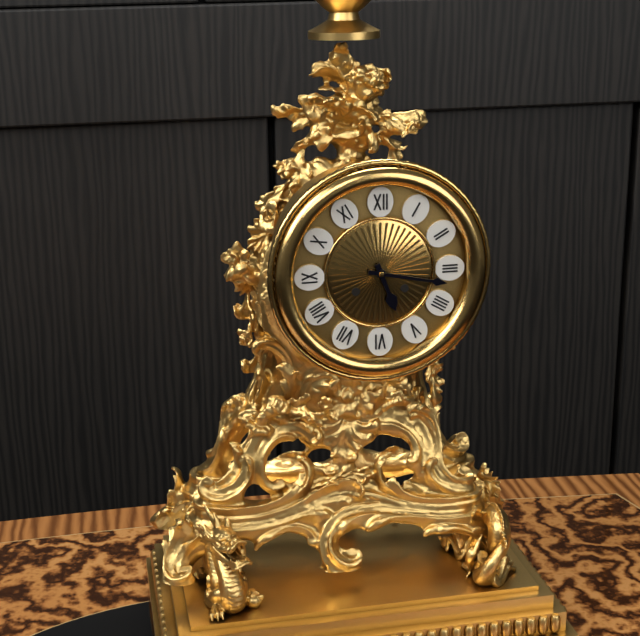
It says h=5 m=17
